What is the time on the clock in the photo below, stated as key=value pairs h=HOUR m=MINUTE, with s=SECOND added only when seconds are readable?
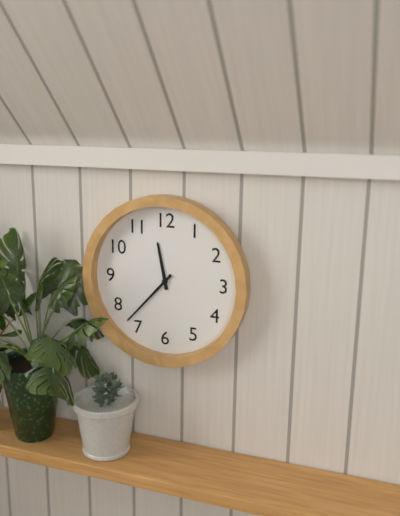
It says h=11 m=37
